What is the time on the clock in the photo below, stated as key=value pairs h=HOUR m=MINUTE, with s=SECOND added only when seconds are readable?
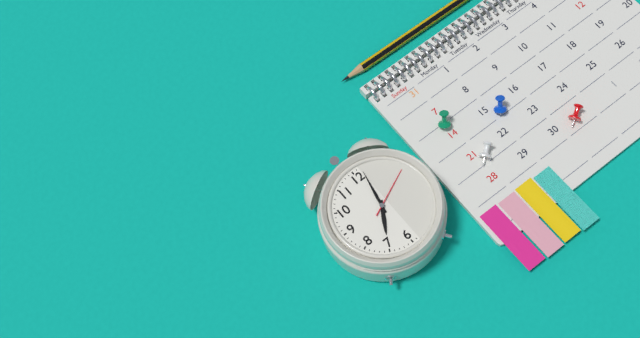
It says h=7 m=2 s=11
